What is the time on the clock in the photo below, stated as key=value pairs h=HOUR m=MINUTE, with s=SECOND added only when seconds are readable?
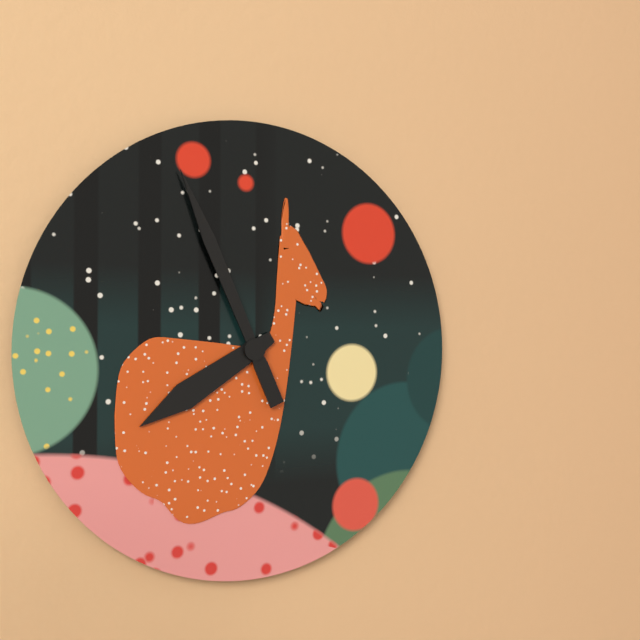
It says h=7 m=56
